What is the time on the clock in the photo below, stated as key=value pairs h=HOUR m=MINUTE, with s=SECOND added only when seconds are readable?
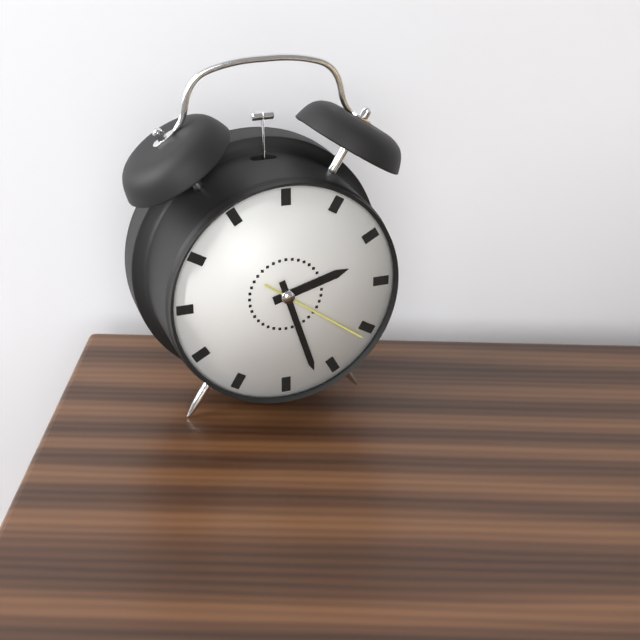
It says h=2 m=27 s=21
